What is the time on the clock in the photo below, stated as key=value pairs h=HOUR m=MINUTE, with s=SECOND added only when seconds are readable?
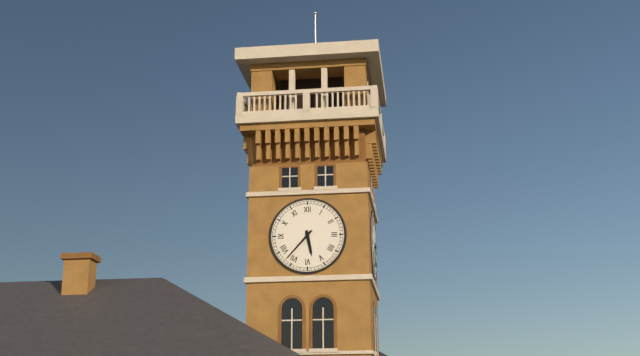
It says h=5 m=37
